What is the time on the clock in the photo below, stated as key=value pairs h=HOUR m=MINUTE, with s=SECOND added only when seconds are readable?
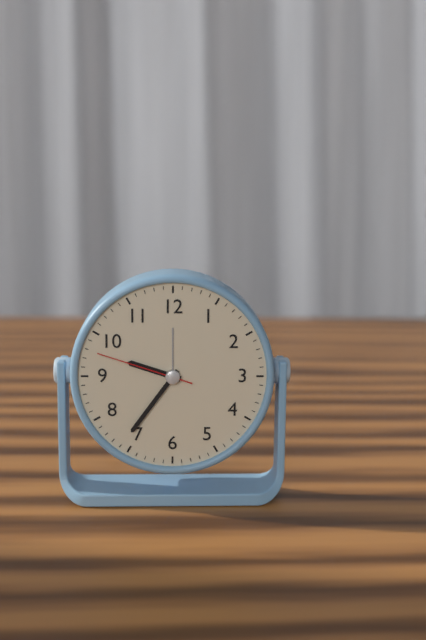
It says h=9 m=36 s=48
